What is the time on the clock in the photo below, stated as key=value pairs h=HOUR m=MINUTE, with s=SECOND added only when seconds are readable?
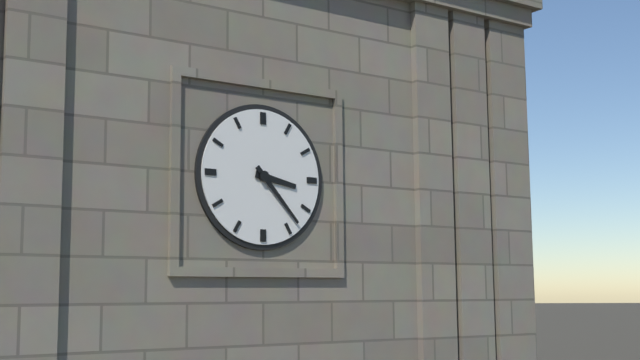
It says h=3 m=23
